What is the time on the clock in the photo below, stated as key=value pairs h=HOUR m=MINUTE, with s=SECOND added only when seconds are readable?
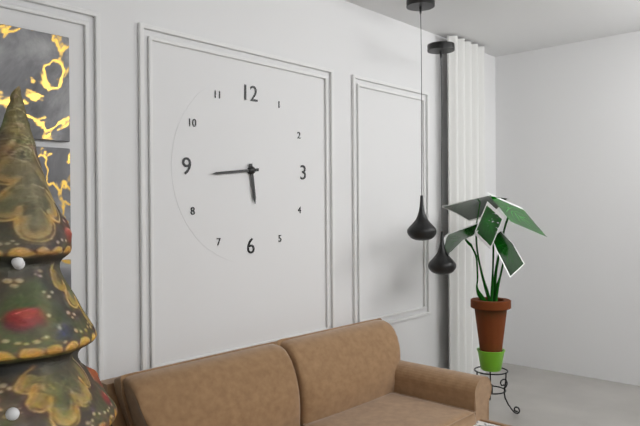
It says h=5 m=44
